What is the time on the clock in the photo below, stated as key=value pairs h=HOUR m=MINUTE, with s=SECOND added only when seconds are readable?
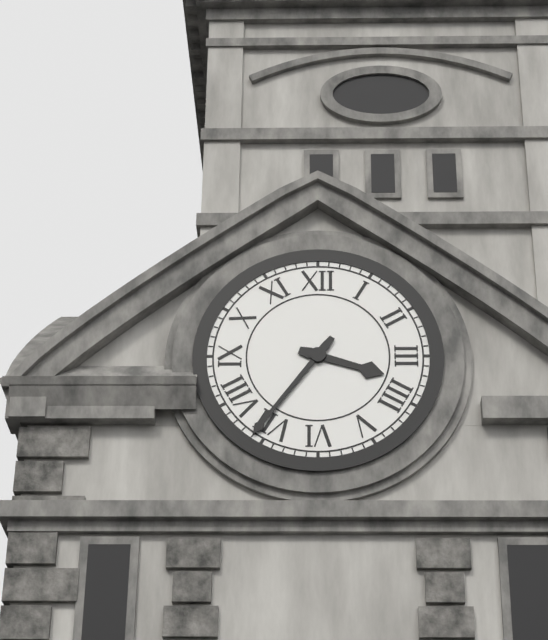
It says h=3 m=36
